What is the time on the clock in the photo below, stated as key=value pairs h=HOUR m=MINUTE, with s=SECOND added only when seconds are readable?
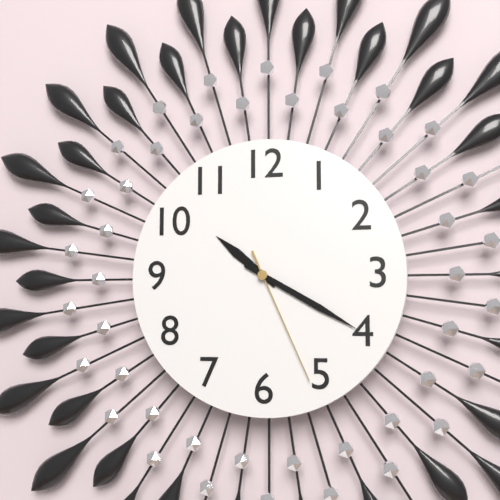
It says h=10 m=20 s=26
